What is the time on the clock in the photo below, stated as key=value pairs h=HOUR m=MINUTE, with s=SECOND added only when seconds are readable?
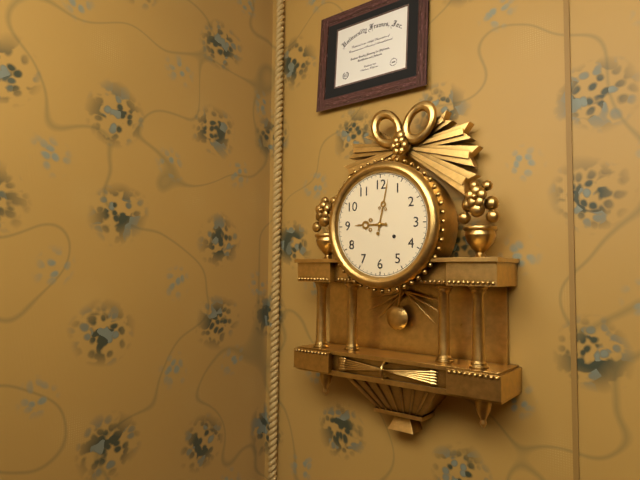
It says h=9 m=2
